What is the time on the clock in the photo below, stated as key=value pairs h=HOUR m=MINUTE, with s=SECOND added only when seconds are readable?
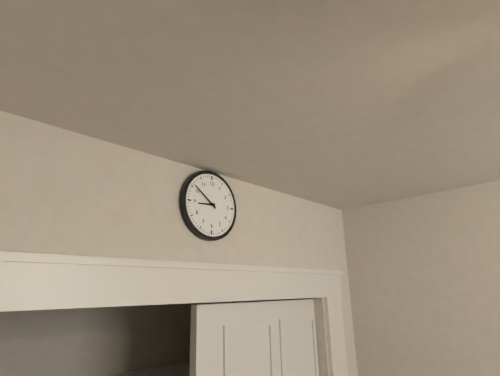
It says h=8 m=51
